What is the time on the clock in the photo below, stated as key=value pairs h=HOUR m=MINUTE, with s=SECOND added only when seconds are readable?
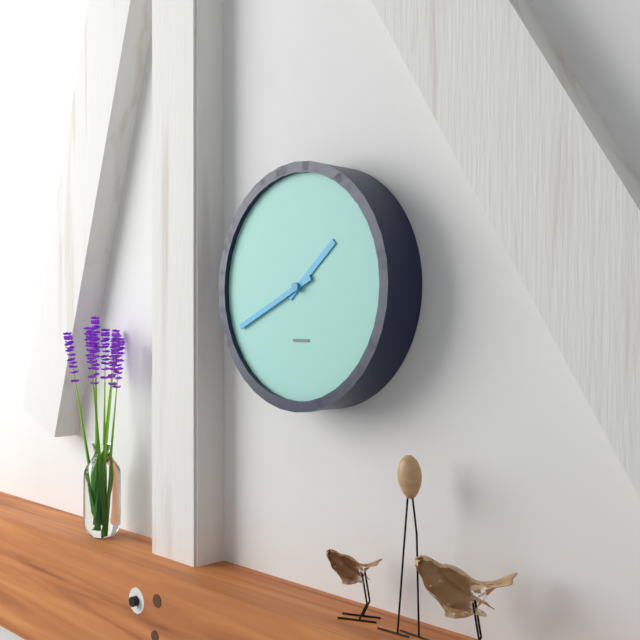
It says h=1 m=41
